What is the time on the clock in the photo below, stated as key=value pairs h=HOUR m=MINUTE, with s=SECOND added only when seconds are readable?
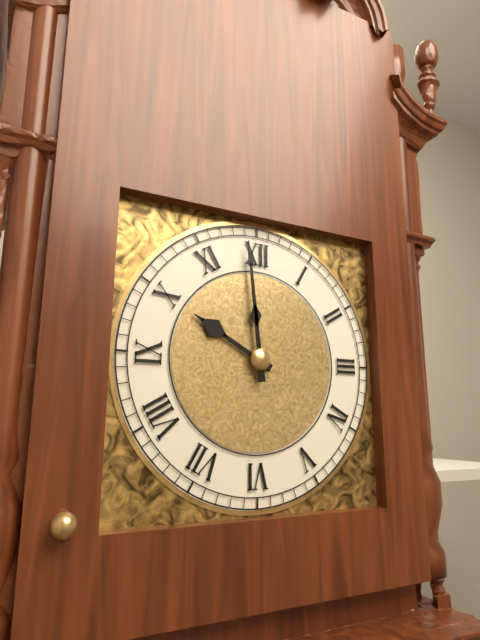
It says h=9 m=59
